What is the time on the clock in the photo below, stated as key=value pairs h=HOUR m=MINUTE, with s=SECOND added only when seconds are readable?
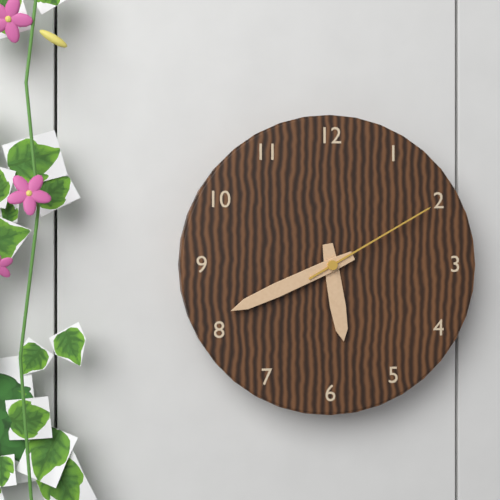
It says h=5 m=41 s=10
